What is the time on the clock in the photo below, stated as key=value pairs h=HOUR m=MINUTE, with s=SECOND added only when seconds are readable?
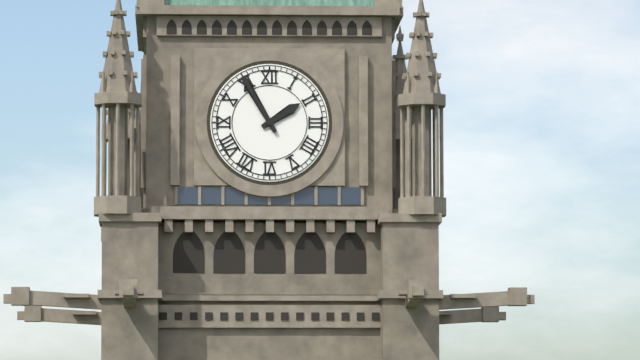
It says h=1 m=55
